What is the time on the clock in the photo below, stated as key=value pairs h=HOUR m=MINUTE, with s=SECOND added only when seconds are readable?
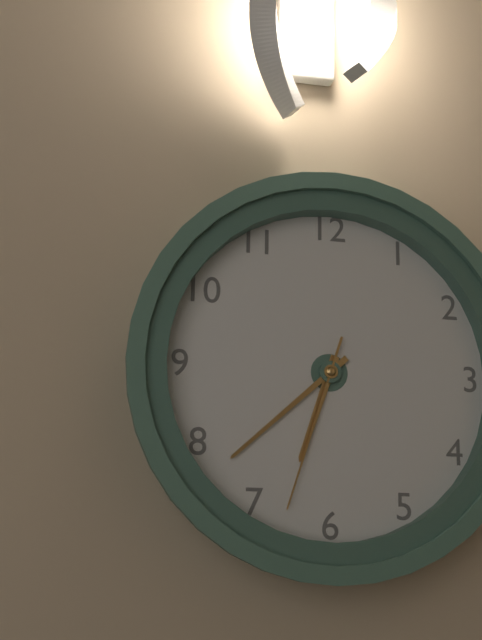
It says h=6 m=38 s=33
